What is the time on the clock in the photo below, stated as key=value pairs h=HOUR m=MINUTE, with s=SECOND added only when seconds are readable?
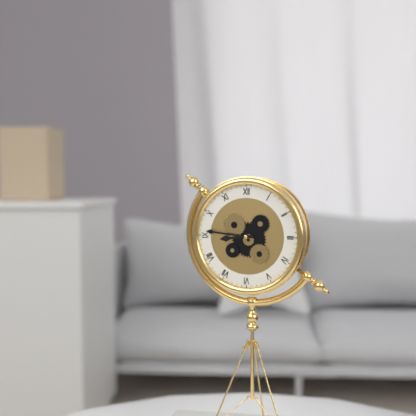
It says h=8 m=46
